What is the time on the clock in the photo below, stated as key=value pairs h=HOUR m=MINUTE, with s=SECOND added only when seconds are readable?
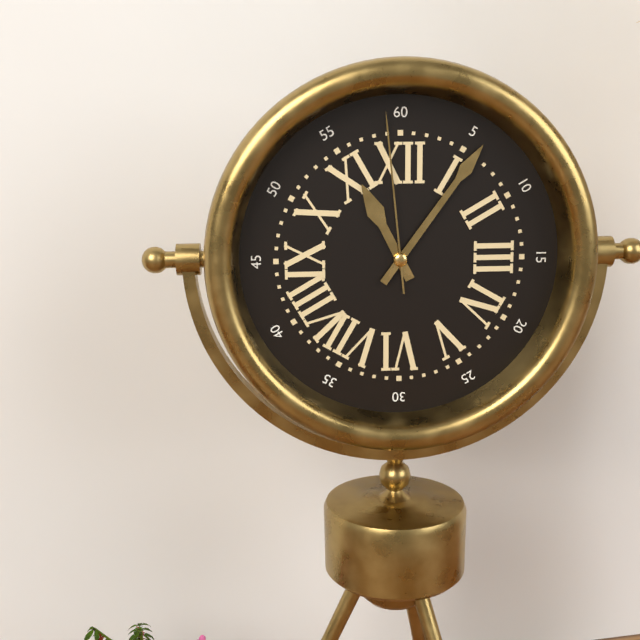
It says h=11 m=6 s=59
